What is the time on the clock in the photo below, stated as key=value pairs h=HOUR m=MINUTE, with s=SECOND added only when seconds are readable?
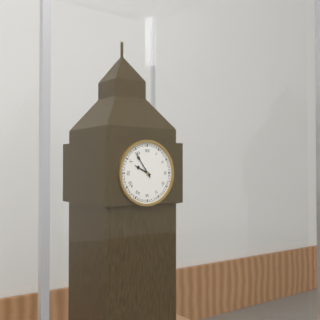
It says h=9 m=54
